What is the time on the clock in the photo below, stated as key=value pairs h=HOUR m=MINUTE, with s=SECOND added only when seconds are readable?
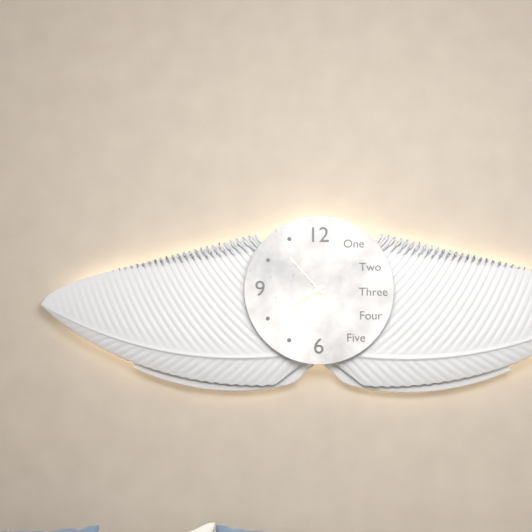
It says h=7 m=53
